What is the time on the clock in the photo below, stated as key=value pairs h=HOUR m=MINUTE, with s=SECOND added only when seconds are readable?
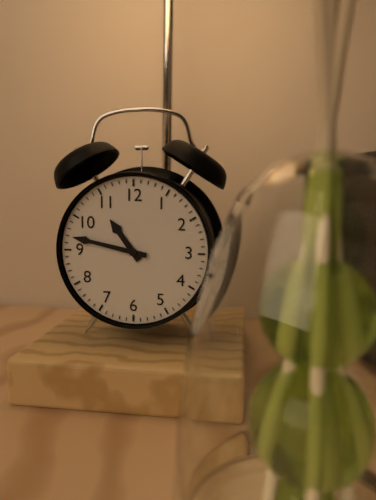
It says h=10 m=47
